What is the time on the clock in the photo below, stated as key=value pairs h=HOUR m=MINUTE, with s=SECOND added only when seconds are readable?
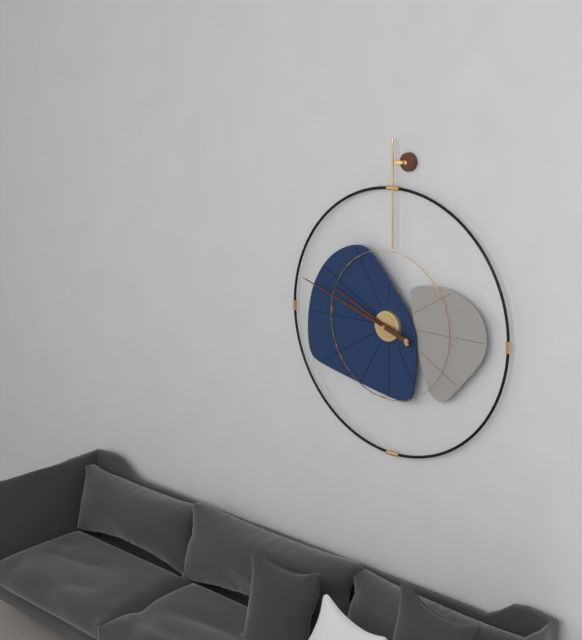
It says h=9 m=48
